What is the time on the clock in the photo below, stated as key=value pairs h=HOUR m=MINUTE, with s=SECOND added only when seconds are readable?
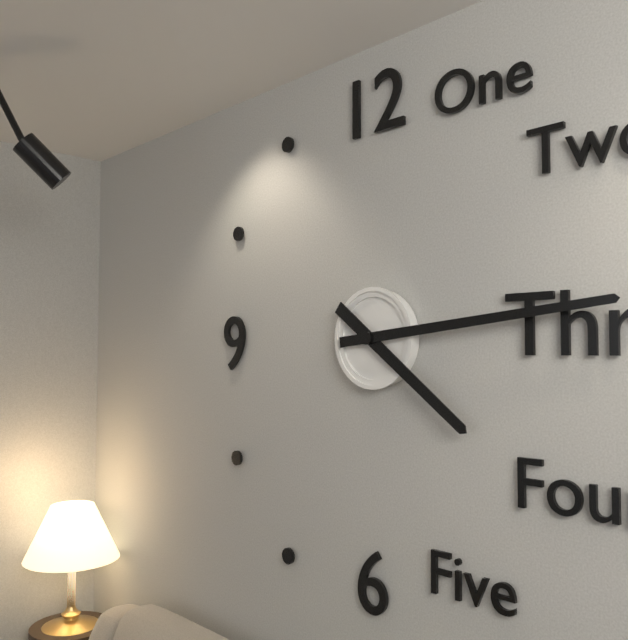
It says h=4 m=14
